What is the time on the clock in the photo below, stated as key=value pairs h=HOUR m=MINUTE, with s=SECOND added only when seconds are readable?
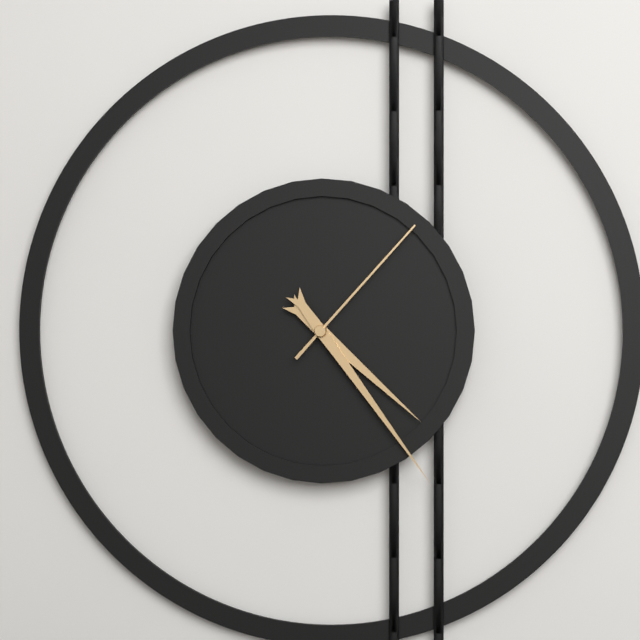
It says h=4 m=24 s=7
